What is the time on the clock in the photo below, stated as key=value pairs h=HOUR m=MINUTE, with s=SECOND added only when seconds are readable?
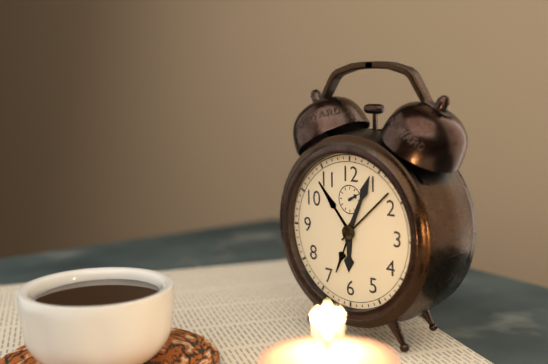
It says h=6 m=4
